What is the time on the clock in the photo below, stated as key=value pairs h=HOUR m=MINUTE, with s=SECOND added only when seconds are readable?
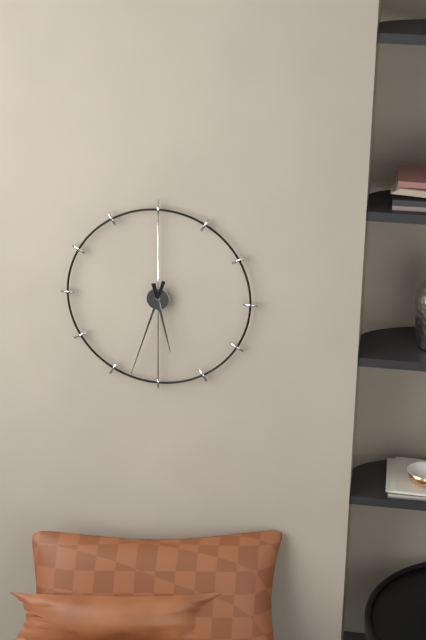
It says h=5 m=33
